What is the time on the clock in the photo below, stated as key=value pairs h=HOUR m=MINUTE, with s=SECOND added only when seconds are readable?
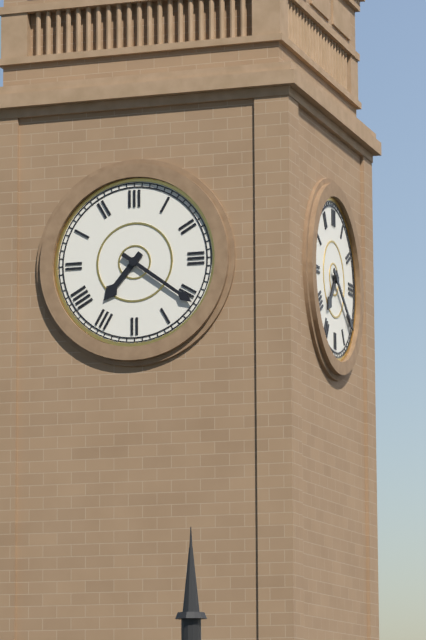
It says h=7 m=21
